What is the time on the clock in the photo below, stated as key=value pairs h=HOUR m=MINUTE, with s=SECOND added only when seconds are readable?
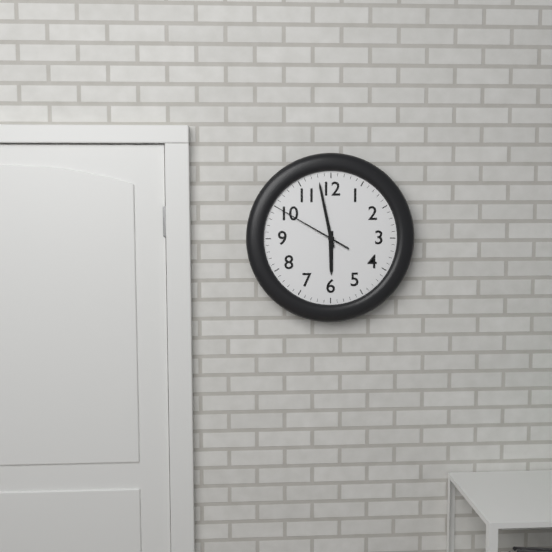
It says h=5 m=58 s=50
